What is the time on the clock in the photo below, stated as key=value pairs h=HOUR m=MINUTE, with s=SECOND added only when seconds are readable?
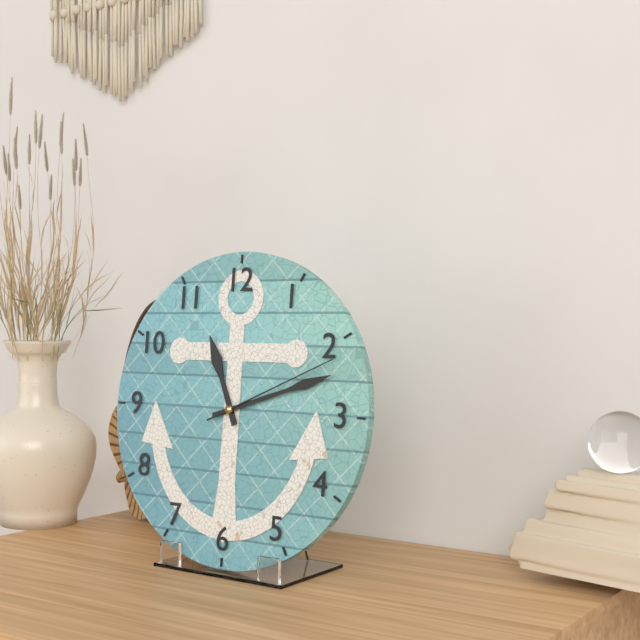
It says h=11 m=12 s=11
